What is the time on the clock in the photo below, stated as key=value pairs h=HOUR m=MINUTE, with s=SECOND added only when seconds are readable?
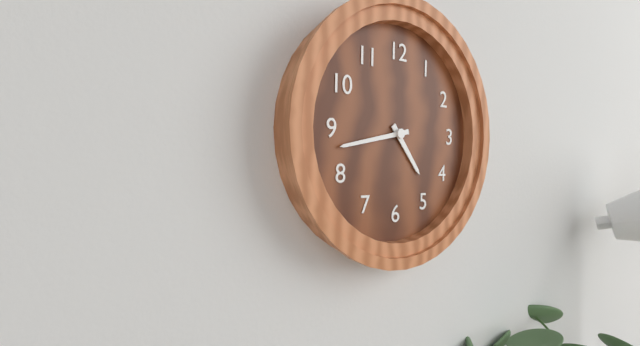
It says h=4 m=43
